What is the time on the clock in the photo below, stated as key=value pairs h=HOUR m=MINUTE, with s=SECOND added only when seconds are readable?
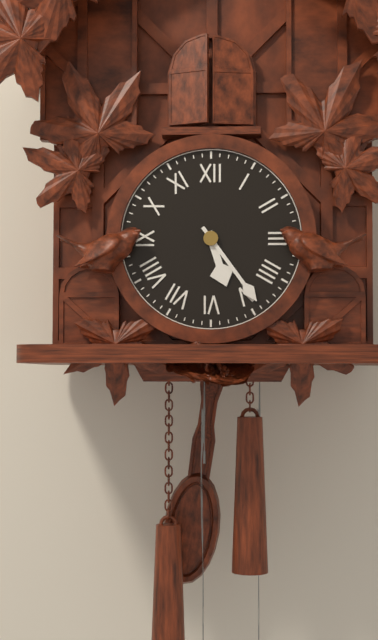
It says h=5 m=24
